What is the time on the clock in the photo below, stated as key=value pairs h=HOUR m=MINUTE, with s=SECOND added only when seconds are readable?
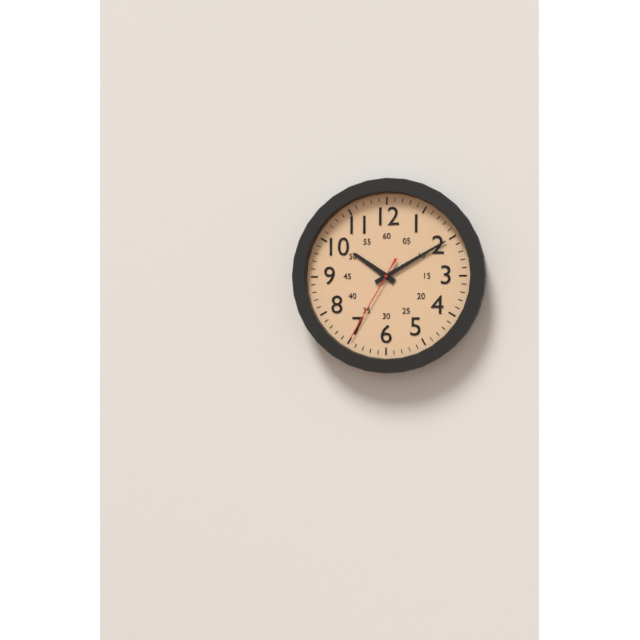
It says h=10 m=10 s=35
